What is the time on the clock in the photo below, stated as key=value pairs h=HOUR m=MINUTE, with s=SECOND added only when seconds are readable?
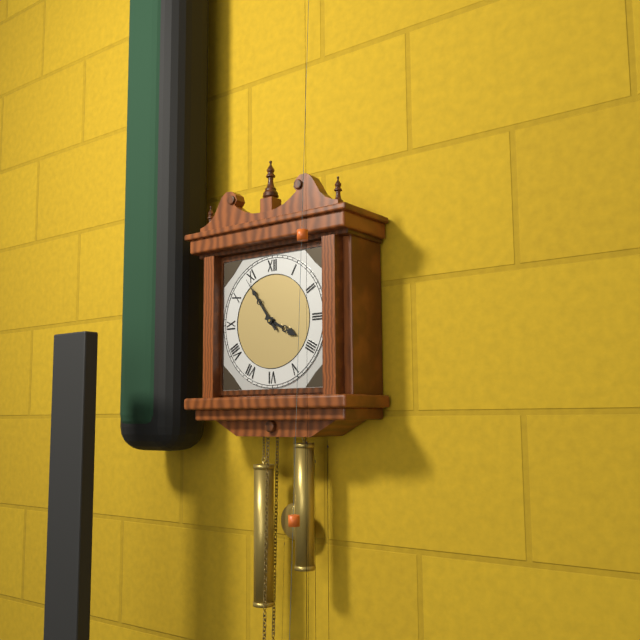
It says h=3 m=54
